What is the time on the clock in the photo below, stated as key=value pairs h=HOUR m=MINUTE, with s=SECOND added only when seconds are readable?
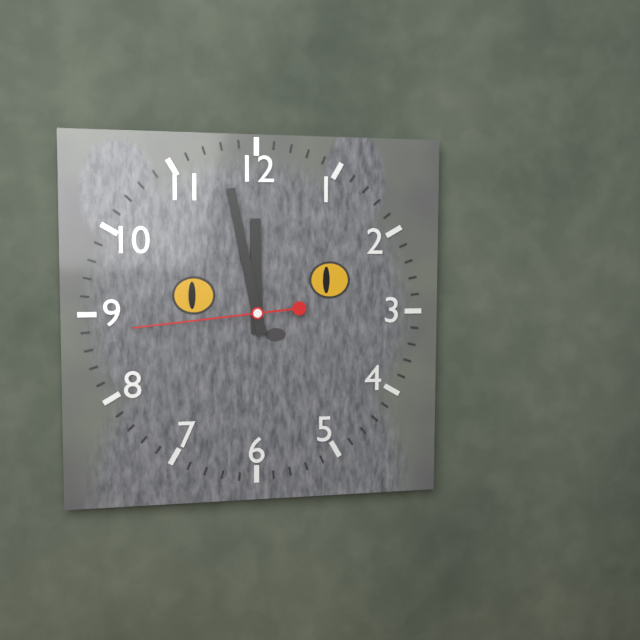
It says h=11 m=58 s=44
